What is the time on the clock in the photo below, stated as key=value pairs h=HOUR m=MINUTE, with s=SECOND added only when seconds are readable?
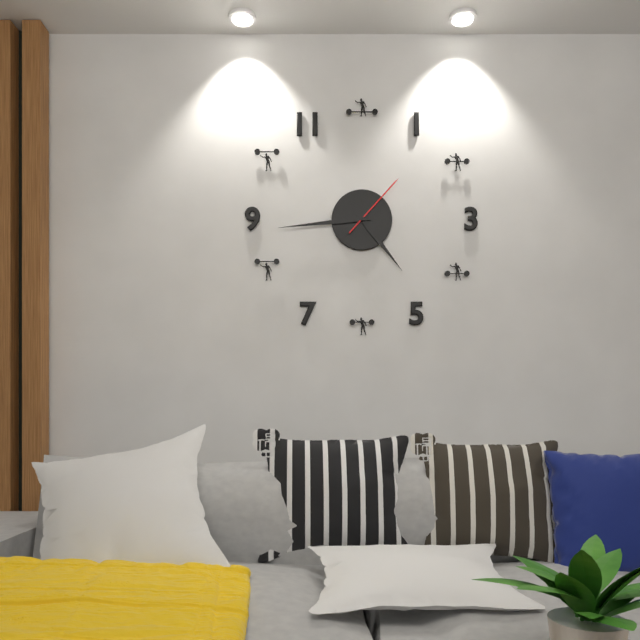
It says h=4 m=44 s=7
